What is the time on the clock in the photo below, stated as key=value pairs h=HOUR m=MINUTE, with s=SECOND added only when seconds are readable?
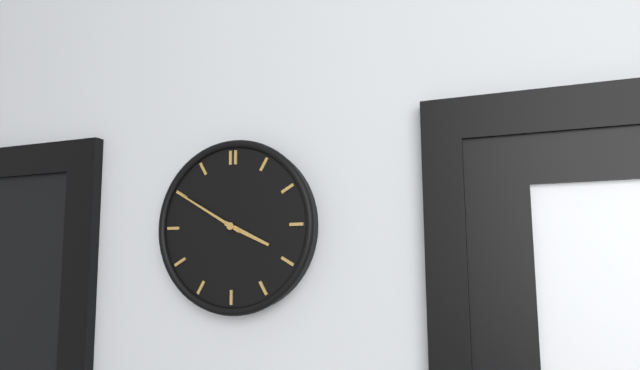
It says h=3 m=50
